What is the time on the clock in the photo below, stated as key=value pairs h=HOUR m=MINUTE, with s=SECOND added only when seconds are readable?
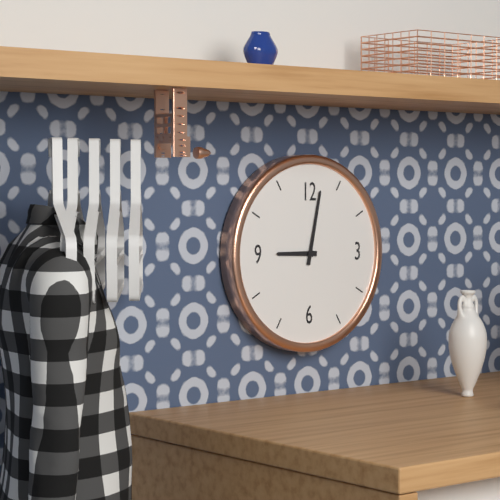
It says h=9 m=2
